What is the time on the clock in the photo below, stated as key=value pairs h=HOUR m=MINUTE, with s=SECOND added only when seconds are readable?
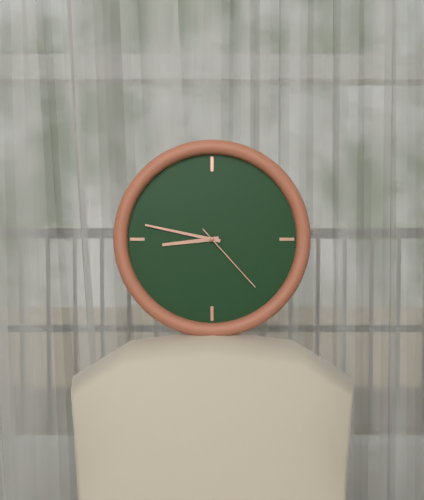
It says h=8 m=47 s=23
